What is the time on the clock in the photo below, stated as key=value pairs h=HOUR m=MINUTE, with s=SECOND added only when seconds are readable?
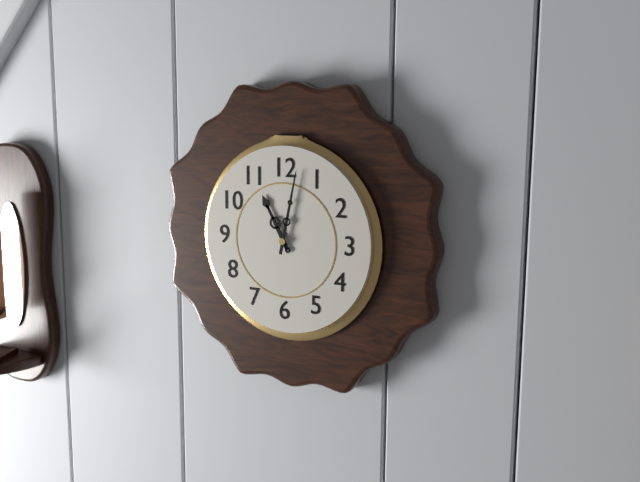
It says h=11 m=2
